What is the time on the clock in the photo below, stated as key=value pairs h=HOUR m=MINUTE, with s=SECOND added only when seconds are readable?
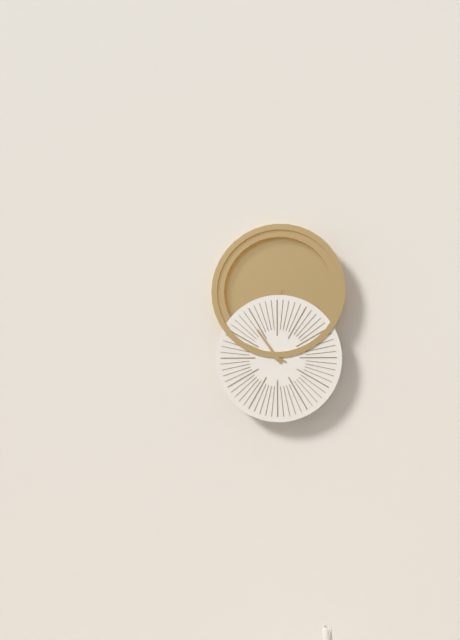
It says h=10 m=49
